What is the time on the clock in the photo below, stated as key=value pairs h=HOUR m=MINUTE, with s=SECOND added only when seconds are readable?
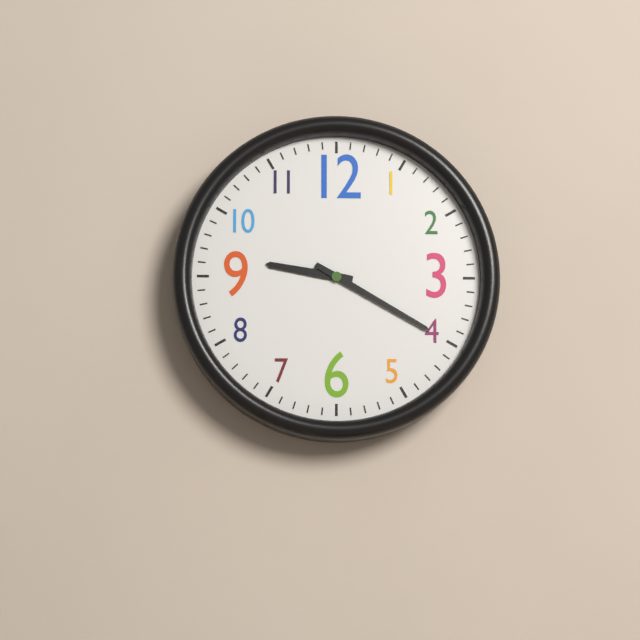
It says h=9 m=20
